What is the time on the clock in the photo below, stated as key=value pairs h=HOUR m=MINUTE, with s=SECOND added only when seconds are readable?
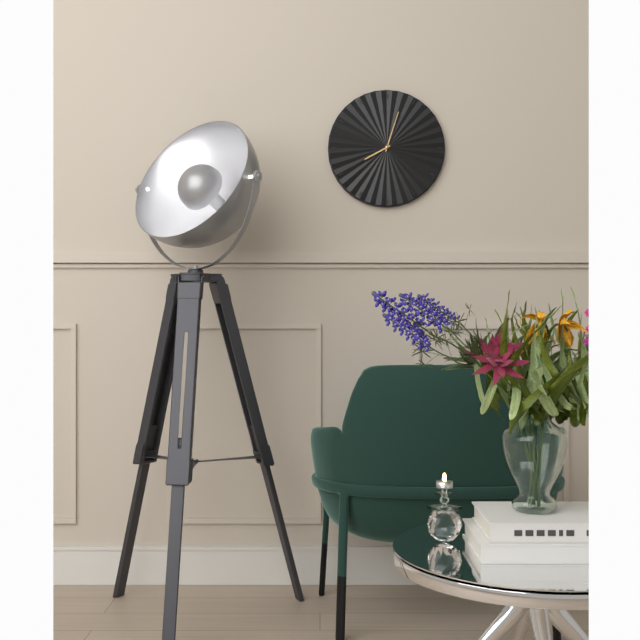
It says h=8 m=3
